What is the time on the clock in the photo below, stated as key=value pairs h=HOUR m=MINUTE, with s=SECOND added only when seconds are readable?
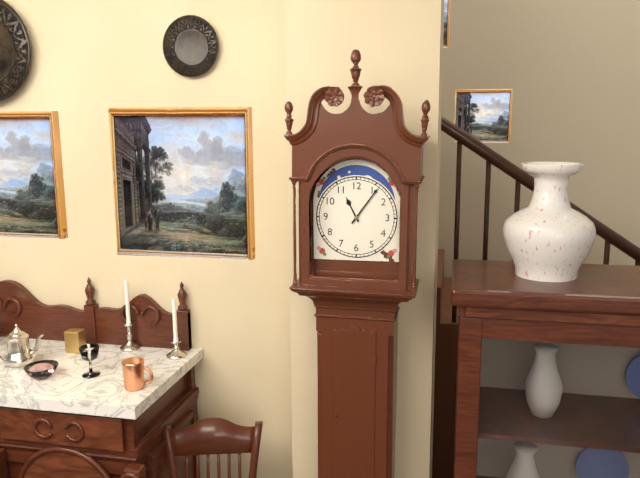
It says h=11 m=6
